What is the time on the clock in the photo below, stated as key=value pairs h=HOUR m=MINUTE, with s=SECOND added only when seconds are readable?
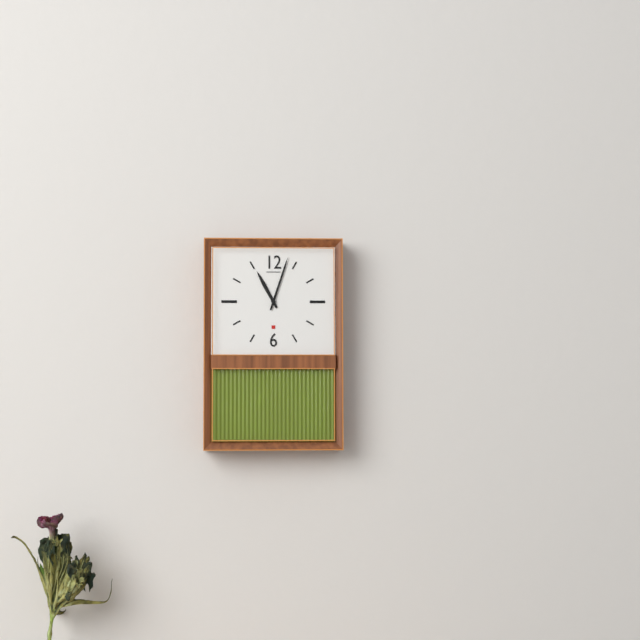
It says h=11 m=3
